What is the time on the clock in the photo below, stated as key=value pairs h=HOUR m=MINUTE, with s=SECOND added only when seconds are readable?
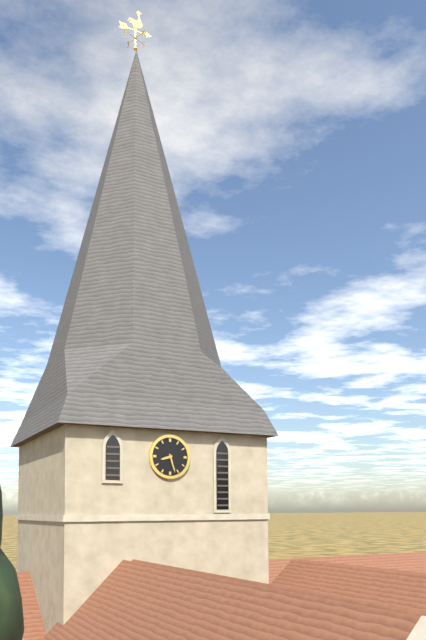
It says h=8 m=27
